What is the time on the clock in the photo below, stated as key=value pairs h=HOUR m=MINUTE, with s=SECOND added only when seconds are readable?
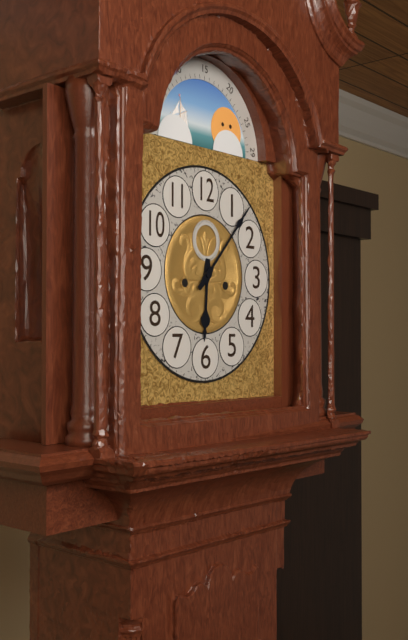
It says h=6 m=7
